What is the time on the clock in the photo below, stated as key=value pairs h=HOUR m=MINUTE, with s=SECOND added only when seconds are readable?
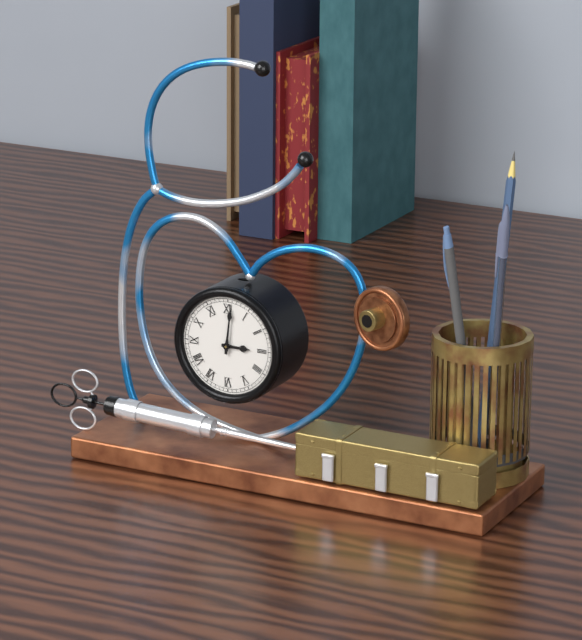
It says h=3 m=1
